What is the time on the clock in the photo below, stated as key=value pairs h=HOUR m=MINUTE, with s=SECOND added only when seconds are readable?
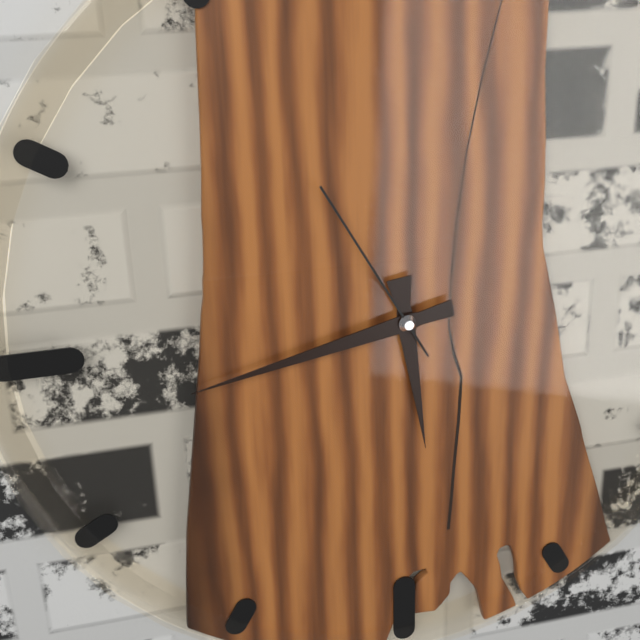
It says h=5 m=43 s=55
